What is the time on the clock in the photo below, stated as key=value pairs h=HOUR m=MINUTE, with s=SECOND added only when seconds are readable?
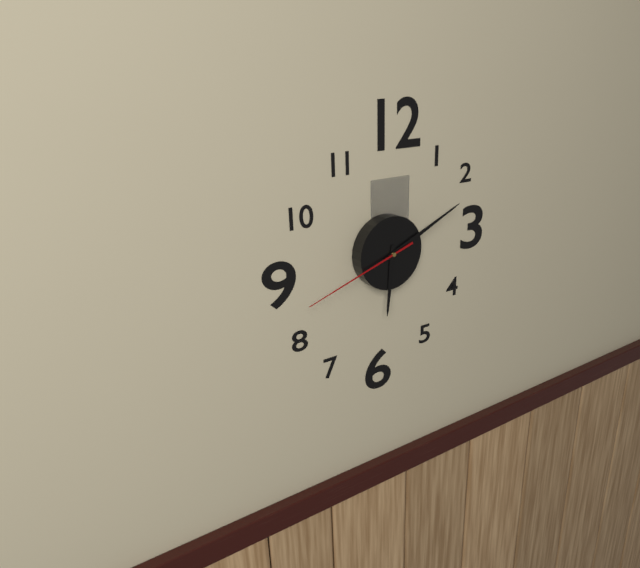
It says h=6 m=11 s=42
